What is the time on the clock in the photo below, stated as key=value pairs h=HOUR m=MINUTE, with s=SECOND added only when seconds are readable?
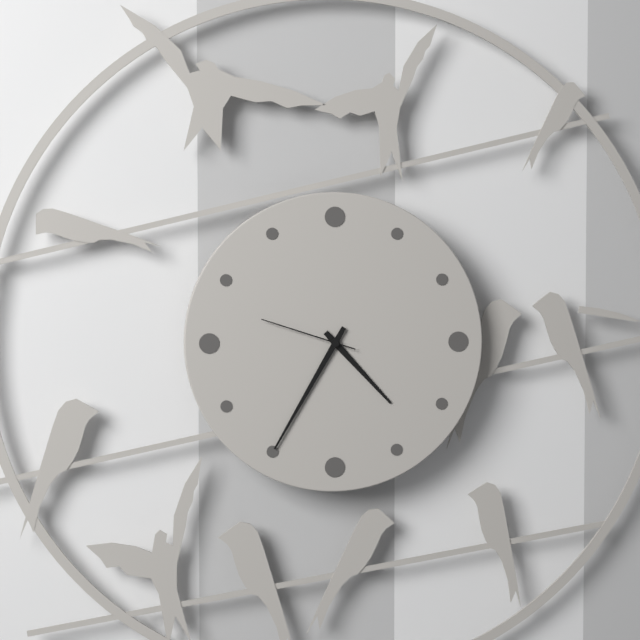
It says h=4 m=35 s=48
